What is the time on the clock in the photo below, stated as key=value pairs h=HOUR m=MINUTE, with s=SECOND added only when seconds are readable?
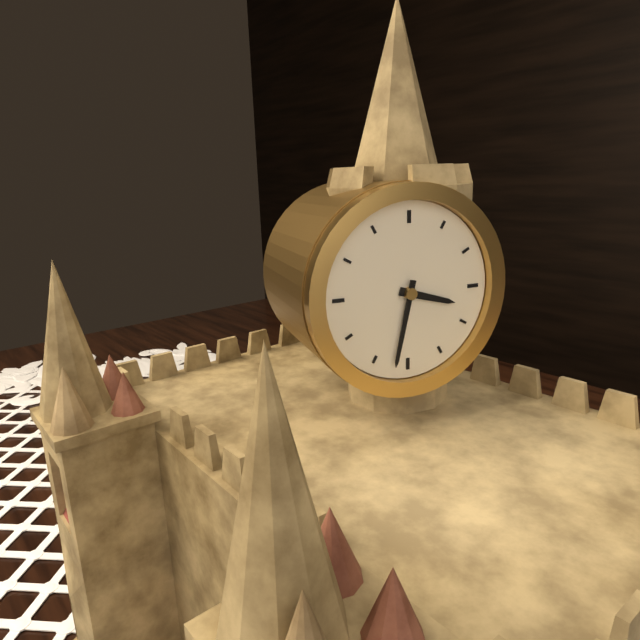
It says h=3 m=32
